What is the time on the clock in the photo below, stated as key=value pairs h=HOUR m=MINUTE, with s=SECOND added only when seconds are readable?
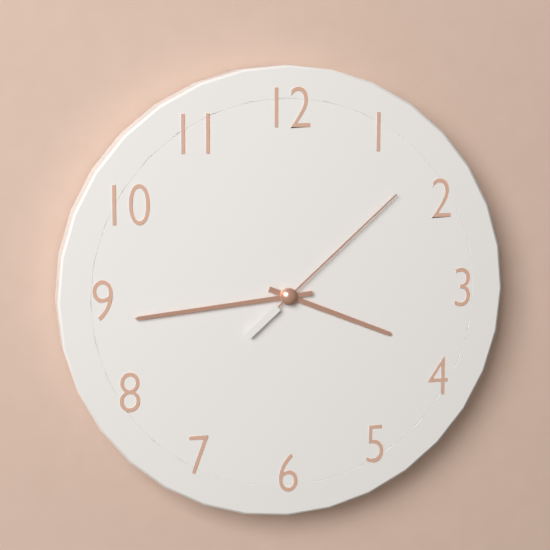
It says h=3 m=44 s=8
